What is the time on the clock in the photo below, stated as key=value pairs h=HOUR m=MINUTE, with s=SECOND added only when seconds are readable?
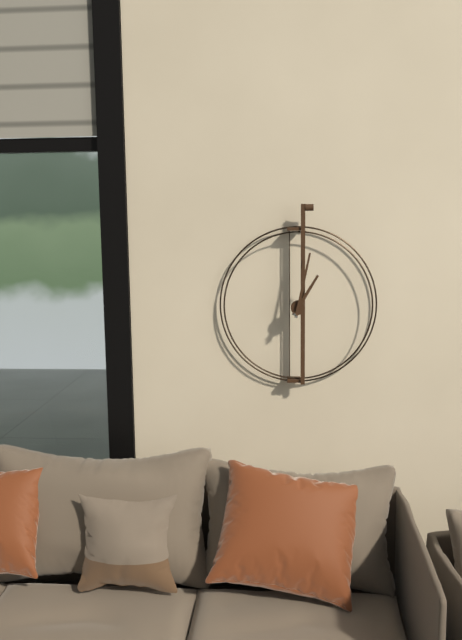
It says h=1 m=2
